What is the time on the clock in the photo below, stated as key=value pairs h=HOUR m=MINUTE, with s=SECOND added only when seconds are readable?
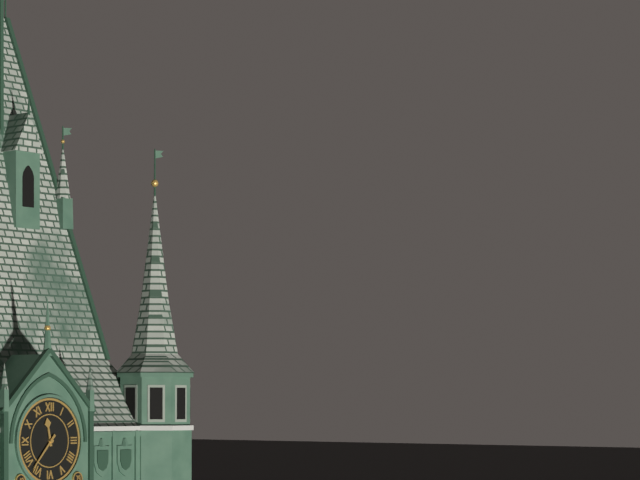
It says h=11 m=37
